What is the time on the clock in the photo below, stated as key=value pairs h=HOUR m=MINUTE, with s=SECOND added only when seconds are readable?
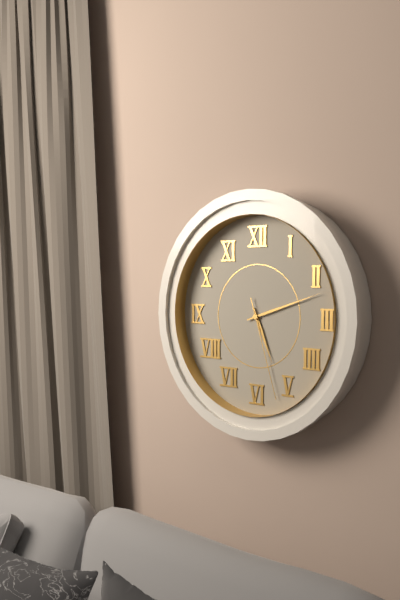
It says h=5 m=12 s=27
